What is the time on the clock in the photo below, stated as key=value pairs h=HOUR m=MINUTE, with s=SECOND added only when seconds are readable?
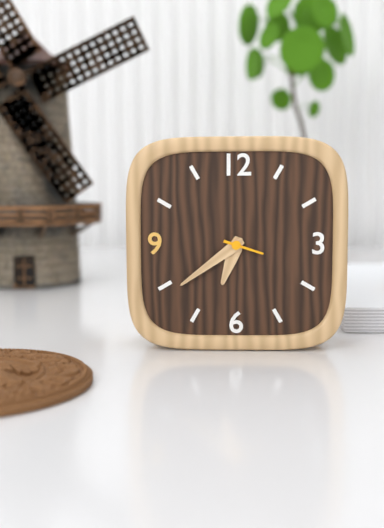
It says h=6 m=39
